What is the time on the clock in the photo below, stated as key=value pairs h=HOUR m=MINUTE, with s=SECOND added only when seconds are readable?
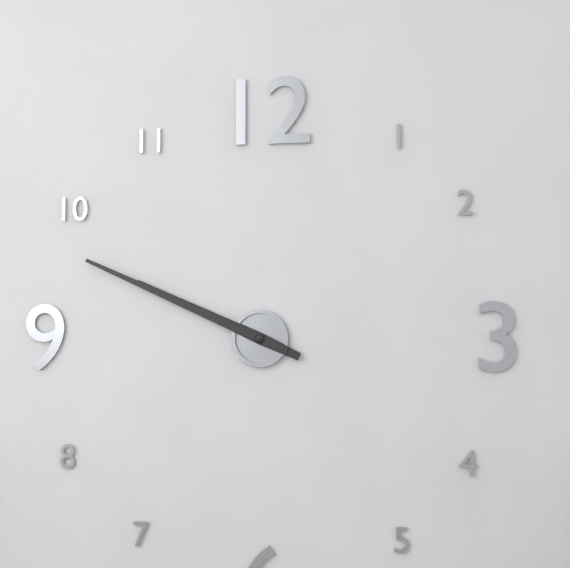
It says h=9 m=49
